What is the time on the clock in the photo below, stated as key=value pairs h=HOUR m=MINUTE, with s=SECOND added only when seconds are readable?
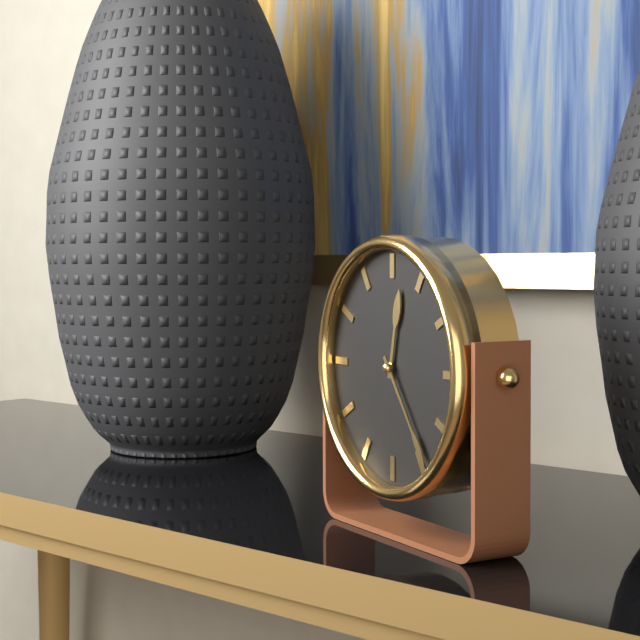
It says h=12 m=24
